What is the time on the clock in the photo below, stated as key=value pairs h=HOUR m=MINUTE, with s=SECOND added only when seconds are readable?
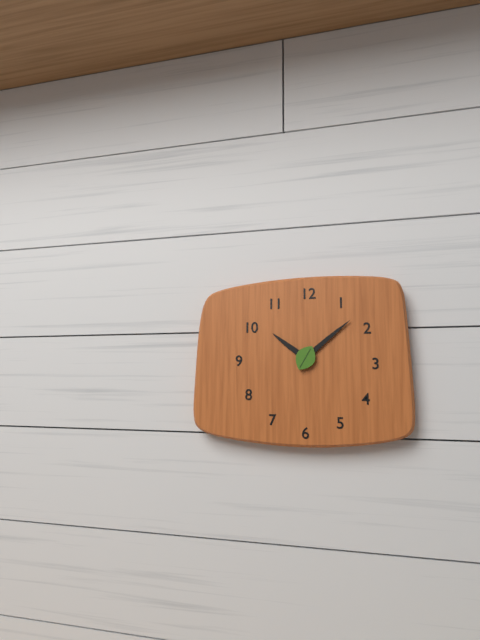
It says h=10 m=8
